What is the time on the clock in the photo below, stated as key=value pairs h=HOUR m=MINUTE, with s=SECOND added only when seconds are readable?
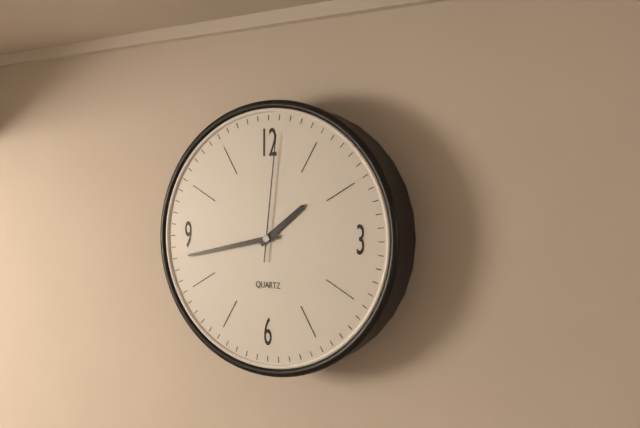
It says h=1 m=43 s=1
